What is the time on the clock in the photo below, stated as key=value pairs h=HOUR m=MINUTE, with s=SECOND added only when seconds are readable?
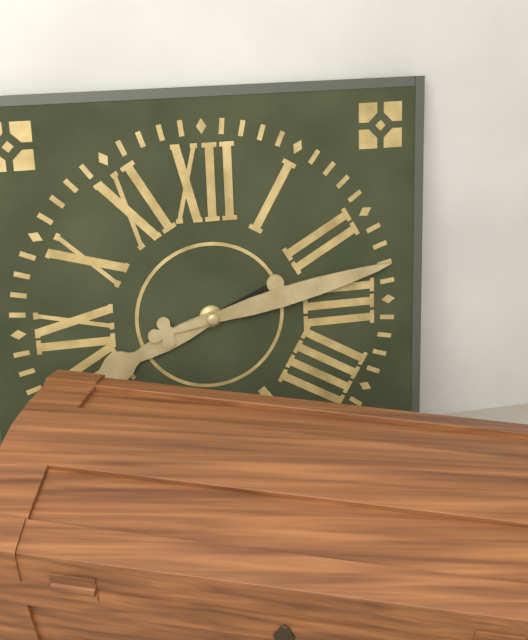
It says h=8 m=13
